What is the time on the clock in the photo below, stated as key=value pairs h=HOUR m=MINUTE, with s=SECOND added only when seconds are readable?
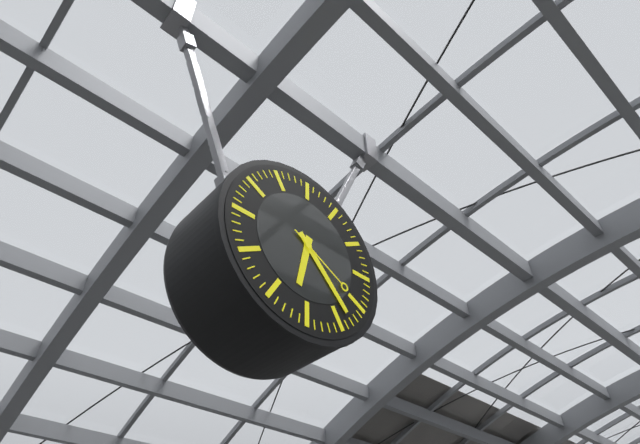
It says h=6 m=23 s=20
